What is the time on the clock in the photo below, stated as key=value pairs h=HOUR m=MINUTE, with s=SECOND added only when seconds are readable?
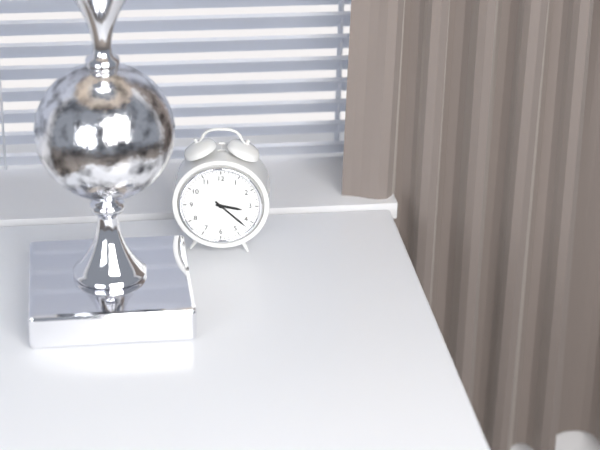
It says h=3 m=22
